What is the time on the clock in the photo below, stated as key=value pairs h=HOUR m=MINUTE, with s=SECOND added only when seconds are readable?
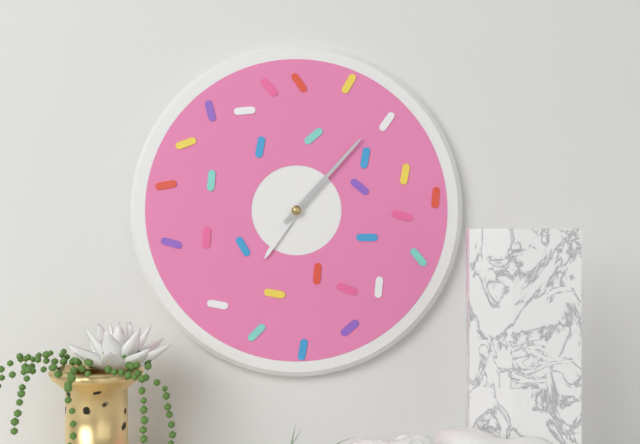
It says h=7 m=7
